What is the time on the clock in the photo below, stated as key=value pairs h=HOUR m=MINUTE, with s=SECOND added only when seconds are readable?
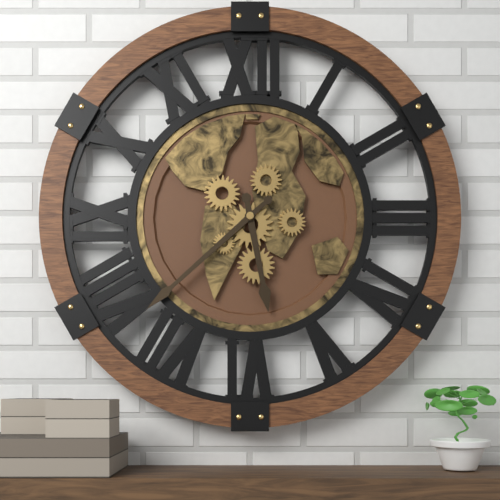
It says h=5 m=38
